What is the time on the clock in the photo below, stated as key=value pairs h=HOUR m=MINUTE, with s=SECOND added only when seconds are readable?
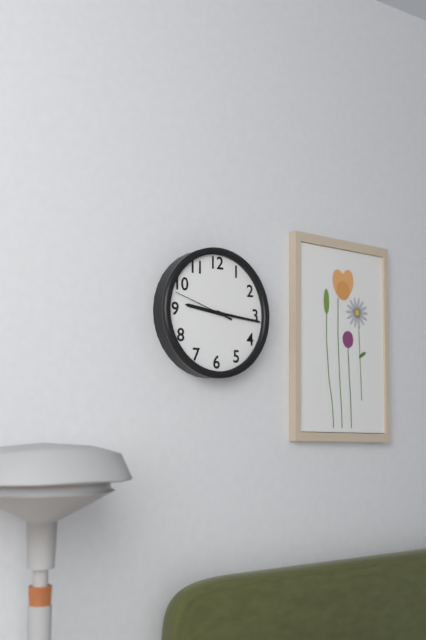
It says h=9 m=16 s=48
